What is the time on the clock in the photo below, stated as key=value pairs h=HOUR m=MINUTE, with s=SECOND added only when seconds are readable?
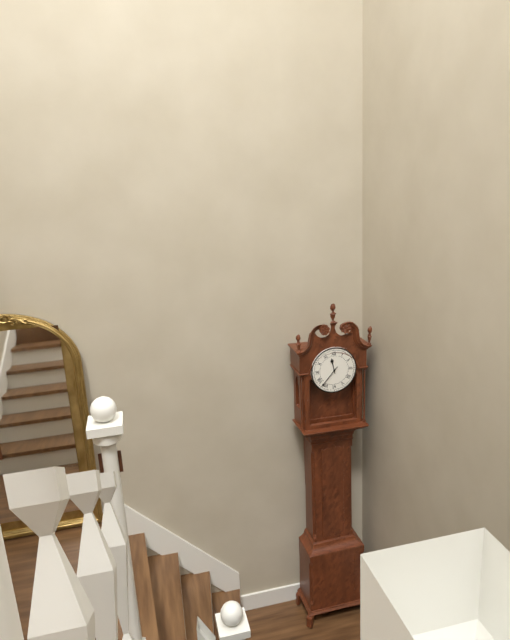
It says h=11 m=37
